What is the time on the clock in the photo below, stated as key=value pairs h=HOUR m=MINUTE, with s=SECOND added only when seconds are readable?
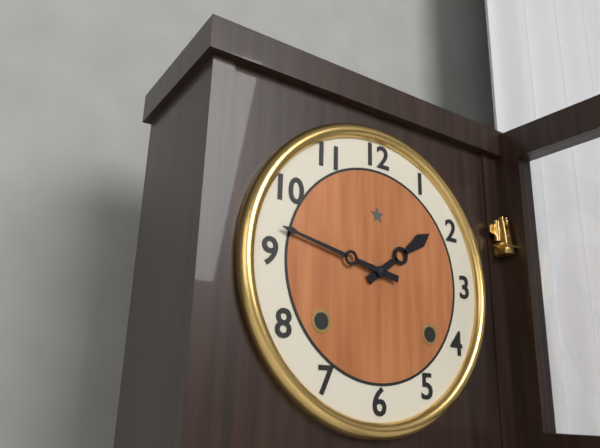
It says h=1 m=47
